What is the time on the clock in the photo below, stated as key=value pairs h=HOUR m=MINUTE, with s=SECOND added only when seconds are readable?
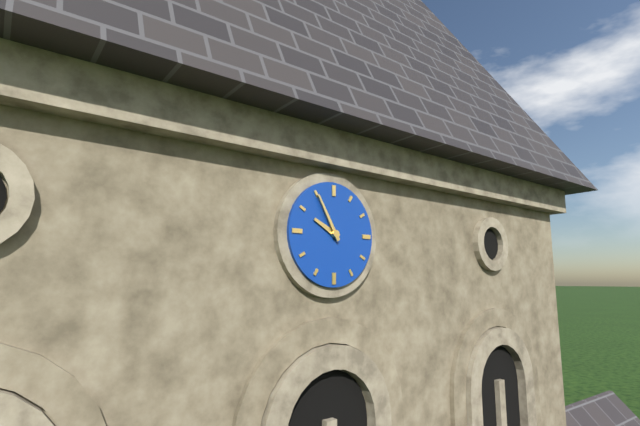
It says h=9 m=55
